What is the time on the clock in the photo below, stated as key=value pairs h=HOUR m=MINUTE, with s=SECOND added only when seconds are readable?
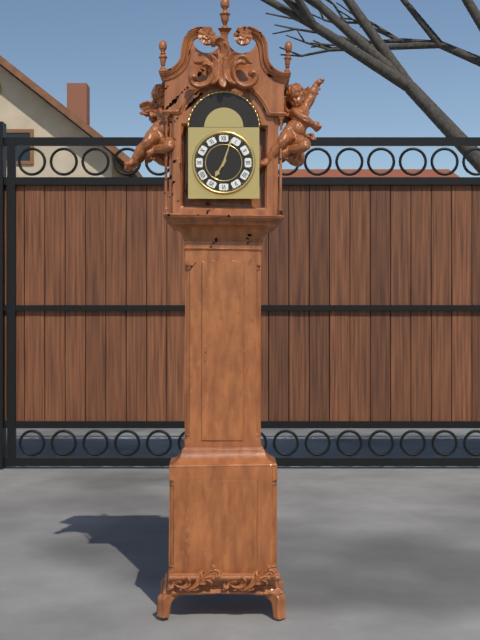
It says h=7 m=3
